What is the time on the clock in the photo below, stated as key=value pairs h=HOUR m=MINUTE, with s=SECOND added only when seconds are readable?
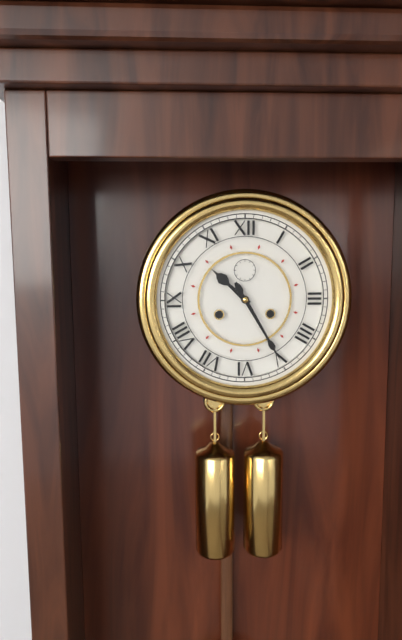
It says h=10 m=25
